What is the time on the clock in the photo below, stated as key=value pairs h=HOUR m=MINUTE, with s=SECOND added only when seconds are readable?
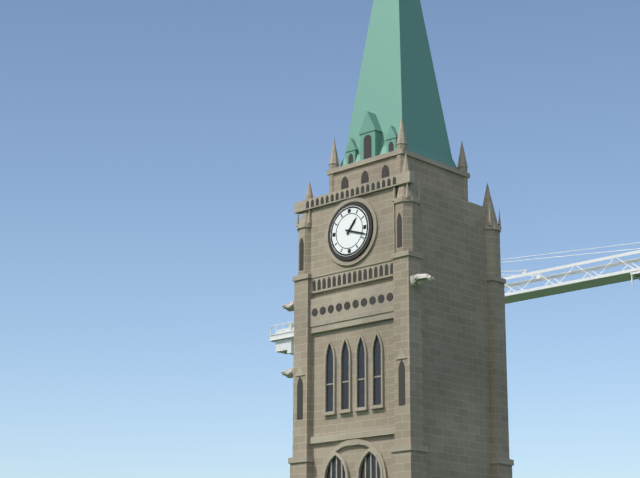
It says h=1 m=18
